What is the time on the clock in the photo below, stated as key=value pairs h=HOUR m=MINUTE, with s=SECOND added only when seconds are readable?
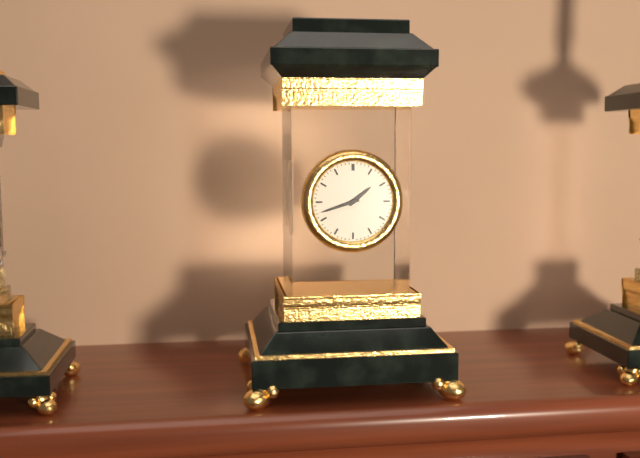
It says h=1 m=42
